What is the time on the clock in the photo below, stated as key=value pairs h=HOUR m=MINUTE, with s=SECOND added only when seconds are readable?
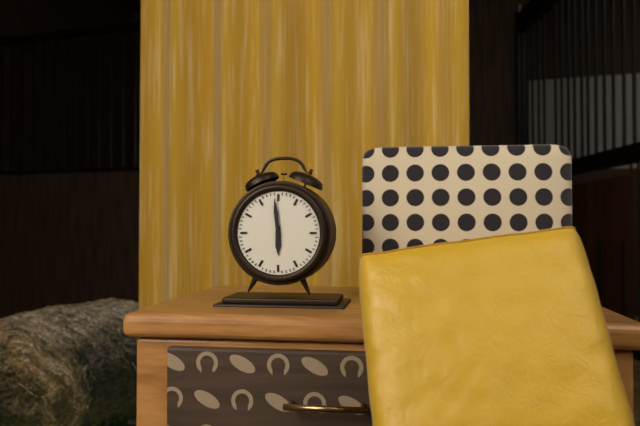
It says h=5 m=59
